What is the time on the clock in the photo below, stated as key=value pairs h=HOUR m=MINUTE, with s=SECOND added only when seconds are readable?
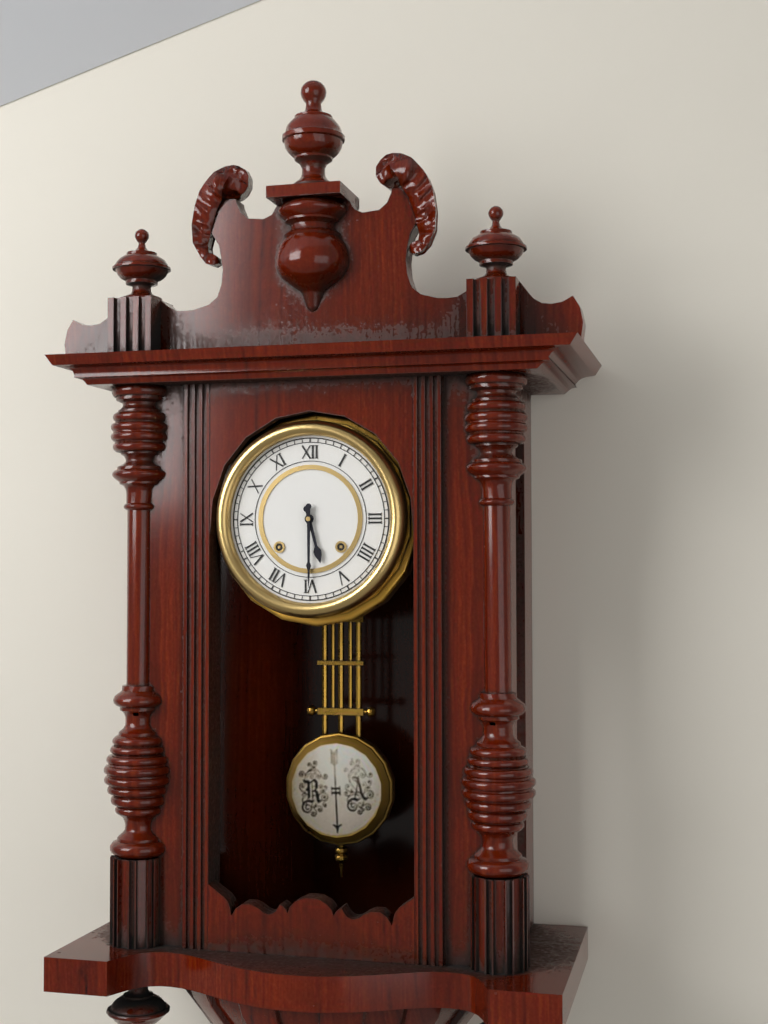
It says h=5 m=30
